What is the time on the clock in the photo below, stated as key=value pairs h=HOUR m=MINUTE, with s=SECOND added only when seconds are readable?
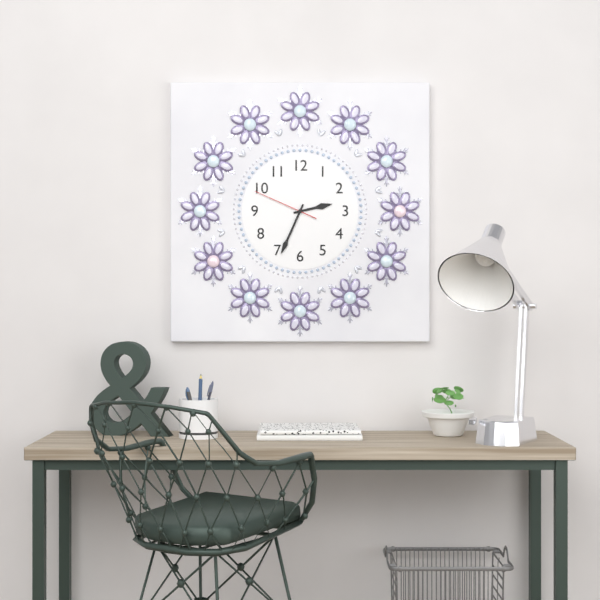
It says h=2 m=34 s=49
